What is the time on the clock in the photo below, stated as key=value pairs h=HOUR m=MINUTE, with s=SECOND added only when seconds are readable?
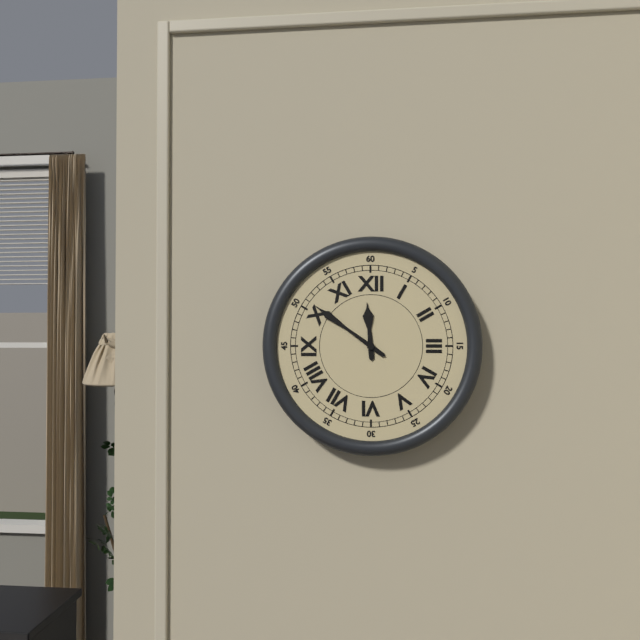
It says h=11 m=51
